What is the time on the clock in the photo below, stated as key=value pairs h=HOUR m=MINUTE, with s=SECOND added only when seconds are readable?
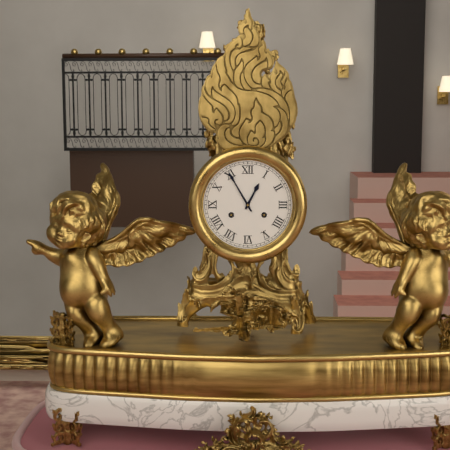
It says h=12 m=55
